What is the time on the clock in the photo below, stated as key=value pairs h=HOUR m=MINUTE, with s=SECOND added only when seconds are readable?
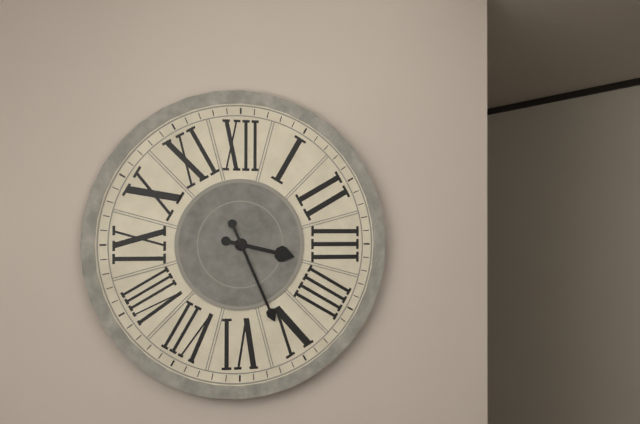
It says h=3 m=26
